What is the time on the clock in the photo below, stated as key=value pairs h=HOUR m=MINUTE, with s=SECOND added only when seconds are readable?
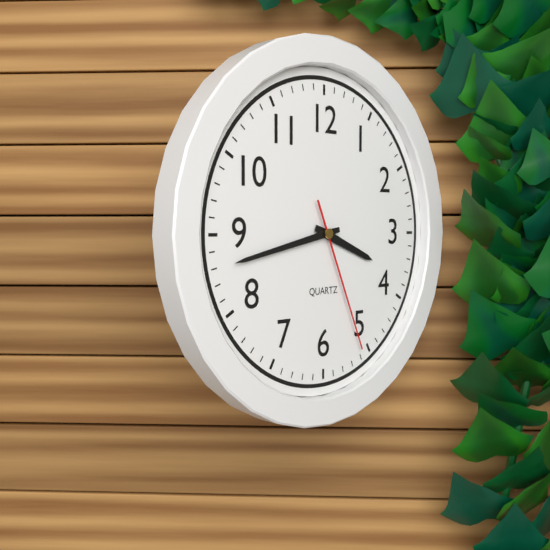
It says h=3 m=43 s=26
